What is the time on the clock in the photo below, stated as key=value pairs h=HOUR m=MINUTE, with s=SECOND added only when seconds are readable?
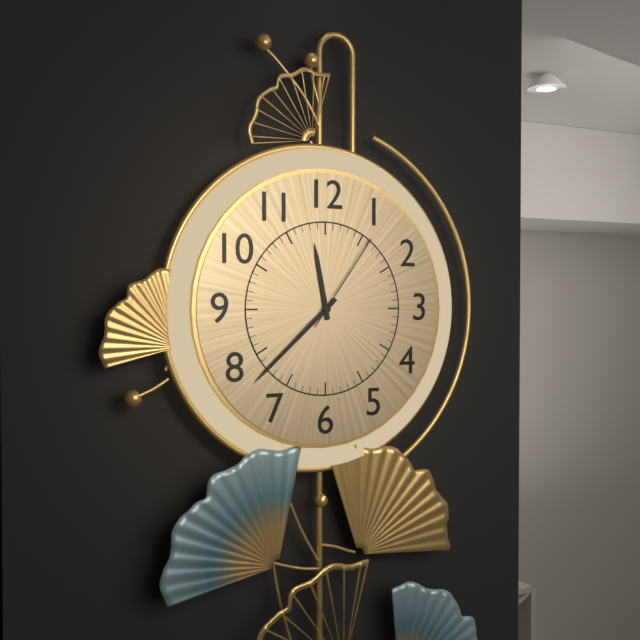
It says h=11 m=38 s=6
